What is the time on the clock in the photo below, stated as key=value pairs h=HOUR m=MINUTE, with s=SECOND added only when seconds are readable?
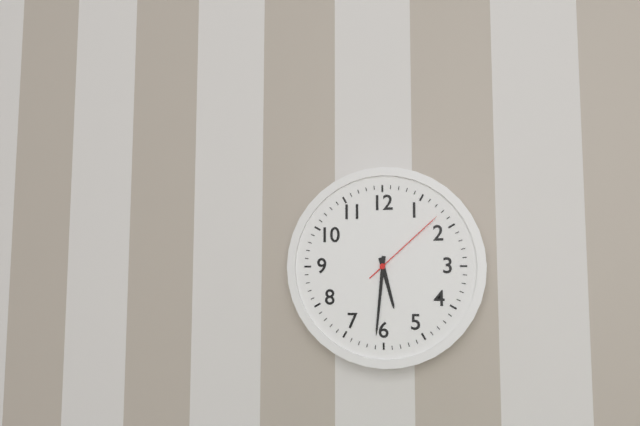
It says h=5 m=31 s=8
